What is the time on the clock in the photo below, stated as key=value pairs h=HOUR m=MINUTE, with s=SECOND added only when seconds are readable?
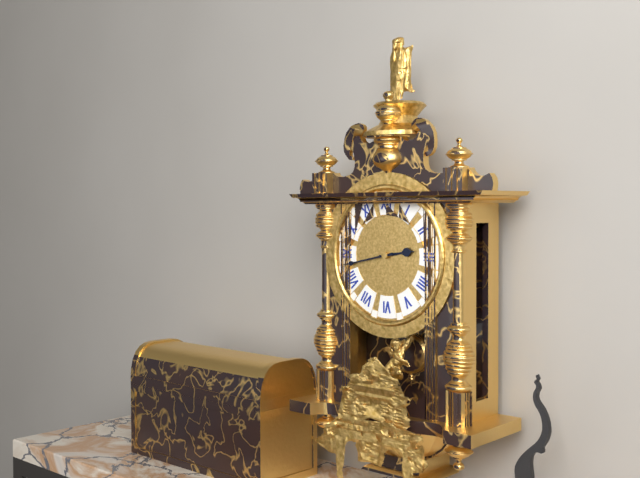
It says h=2 m=43
